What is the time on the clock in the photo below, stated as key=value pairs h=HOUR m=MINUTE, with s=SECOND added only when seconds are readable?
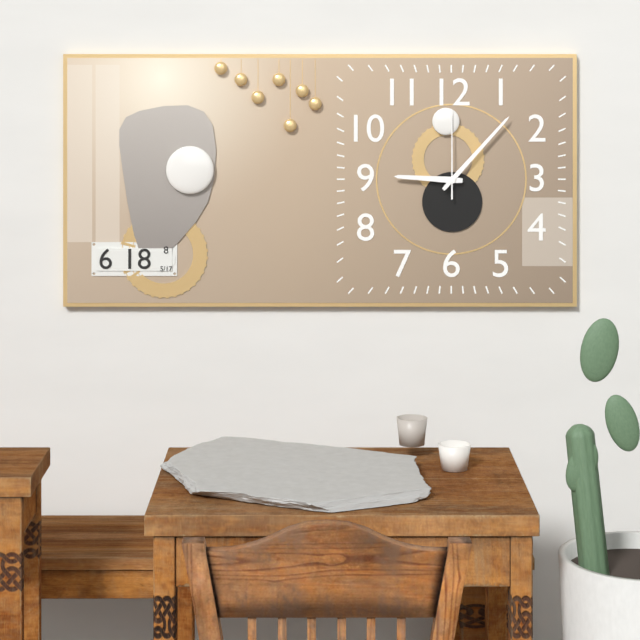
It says h=9 m=7 s=0
